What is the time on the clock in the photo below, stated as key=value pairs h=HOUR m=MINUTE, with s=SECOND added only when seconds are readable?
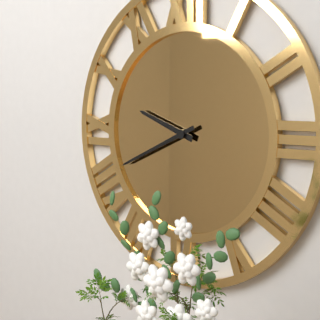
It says h=9 m=41
